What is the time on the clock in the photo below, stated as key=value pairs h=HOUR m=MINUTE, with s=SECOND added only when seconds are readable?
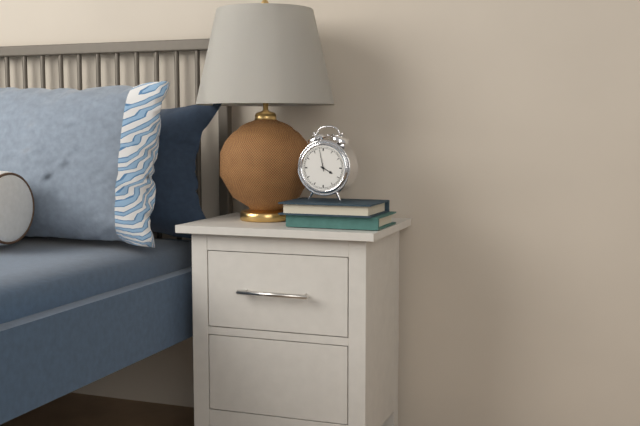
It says h=3 m=58
